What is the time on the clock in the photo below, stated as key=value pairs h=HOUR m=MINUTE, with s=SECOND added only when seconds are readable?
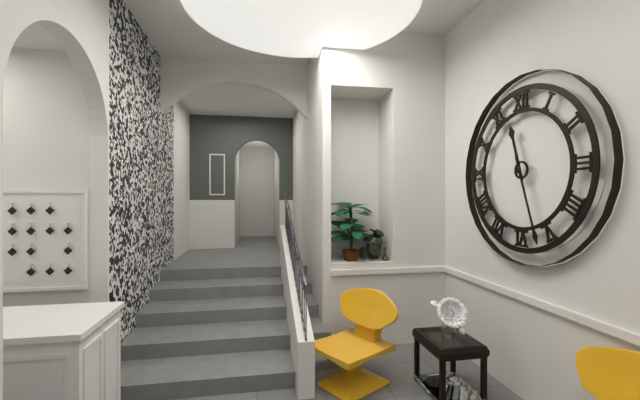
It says h=11 m=27
